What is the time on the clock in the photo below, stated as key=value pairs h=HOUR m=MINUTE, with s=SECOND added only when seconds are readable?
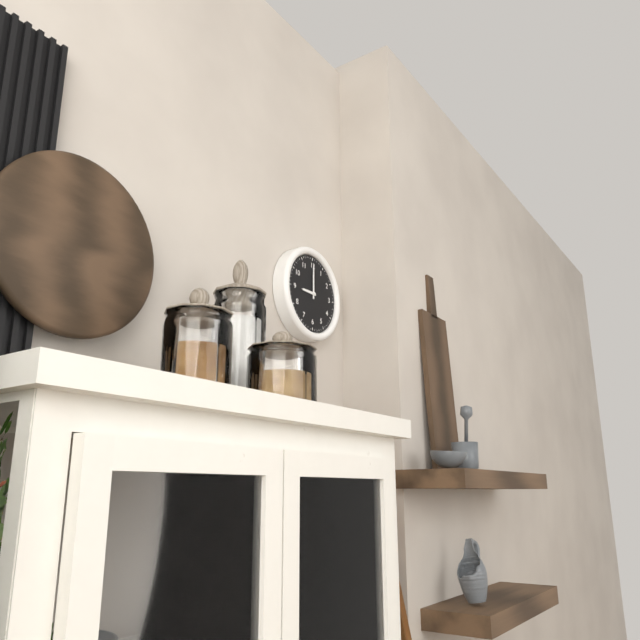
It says h=9 m=0
